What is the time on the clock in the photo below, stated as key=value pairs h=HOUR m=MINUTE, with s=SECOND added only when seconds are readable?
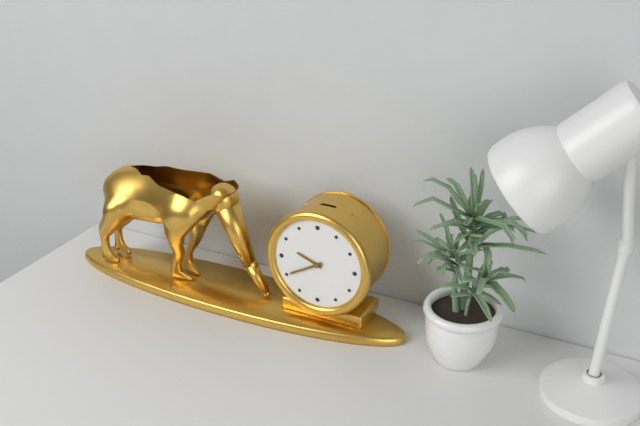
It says h=9 m=40
